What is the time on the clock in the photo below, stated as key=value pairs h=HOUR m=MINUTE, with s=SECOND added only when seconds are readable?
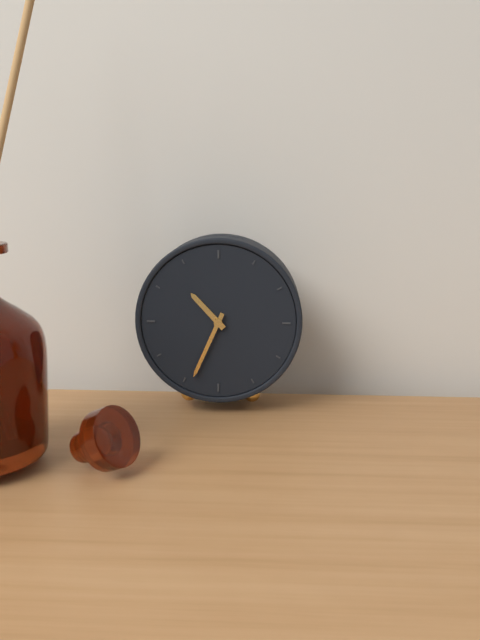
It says h=10 m=34
